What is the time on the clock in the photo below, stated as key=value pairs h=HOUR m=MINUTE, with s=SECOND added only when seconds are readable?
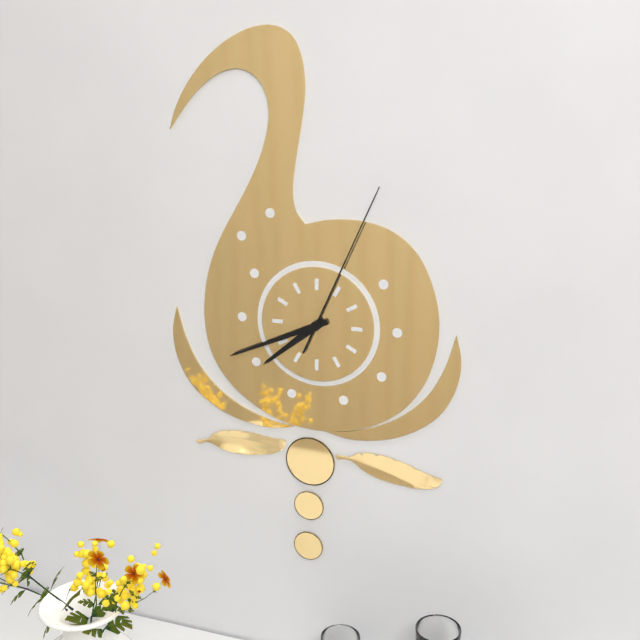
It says h=7 m=41 s=4
